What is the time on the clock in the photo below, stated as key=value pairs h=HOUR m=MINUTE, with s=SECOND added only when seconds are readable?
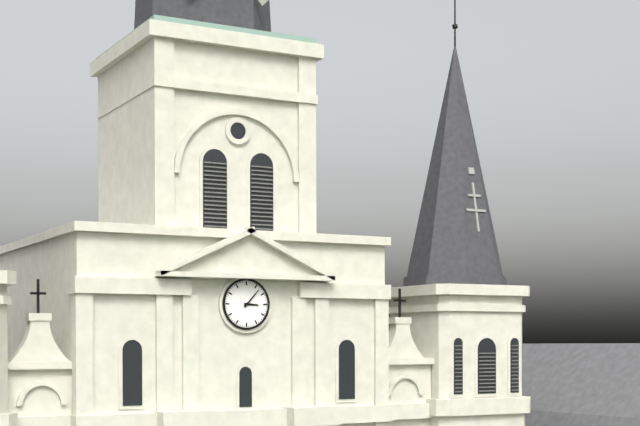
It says h=3 m=7
